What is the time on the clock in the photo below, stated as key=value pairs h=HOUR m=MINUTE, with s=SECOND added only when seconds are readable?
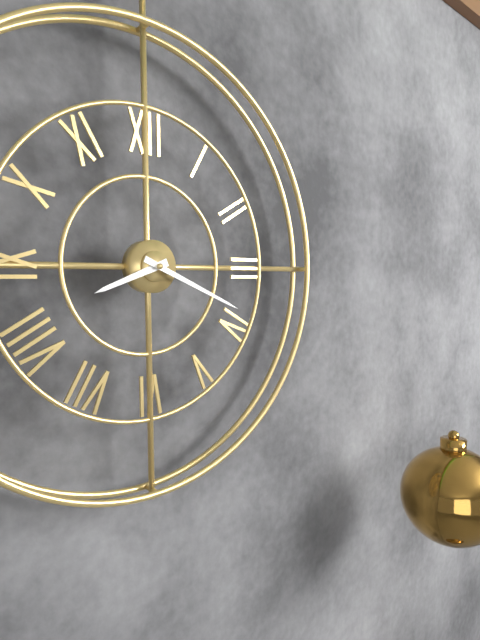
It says h=8 m=19
